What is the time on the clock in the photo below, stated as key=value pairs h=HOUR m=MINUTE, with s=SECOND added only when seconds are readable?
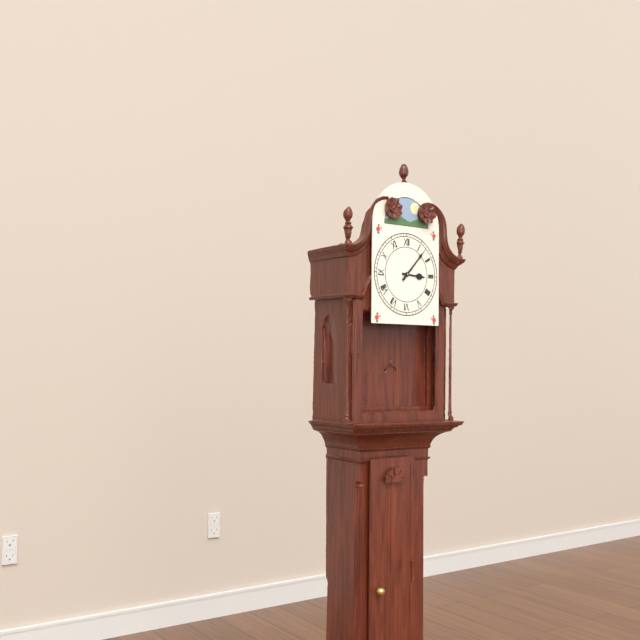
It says h=3 m=7
